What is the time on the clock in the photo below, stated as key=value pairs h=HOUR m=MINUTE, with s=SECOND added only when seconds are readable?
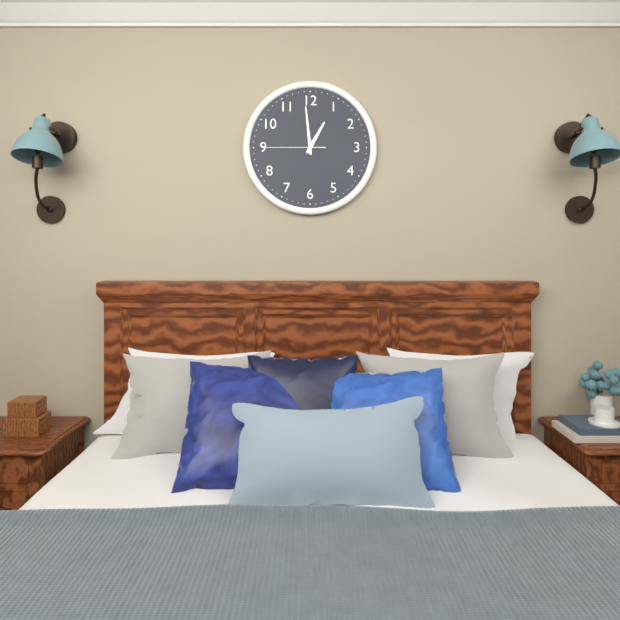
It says h=12 m=59 s=45
